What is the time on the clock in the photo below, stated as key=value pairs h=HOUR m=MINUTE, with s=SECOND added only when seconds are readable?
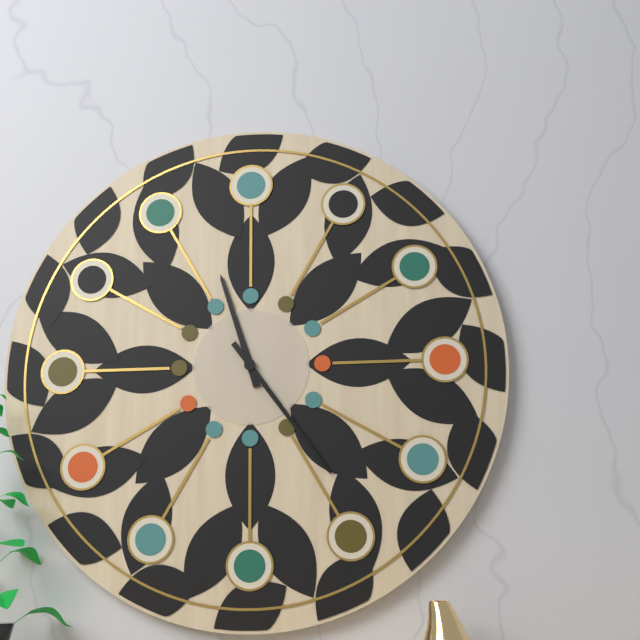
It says h=11 m=24
